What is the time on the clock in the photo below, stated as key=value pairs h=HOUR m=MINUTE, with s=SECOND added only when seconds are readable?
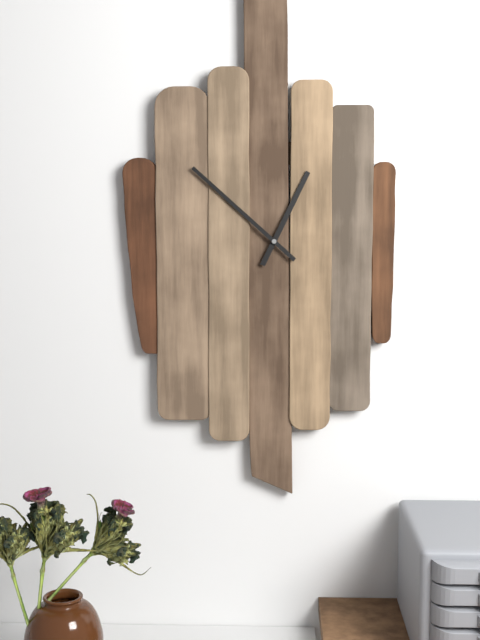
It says h=12 m=52
